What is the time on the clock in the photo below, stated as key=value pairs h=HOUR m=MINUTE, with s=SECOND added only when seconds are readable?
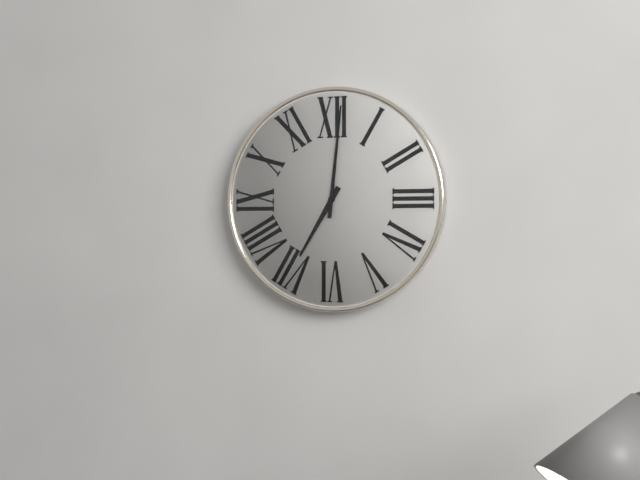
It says h=7 m=1
